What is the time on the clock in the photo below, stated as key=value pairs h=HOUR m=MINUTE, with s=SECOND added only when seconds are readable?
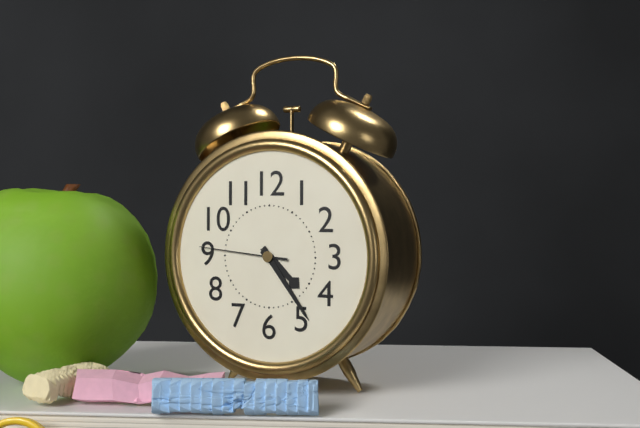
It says h=4 m=24 s=46
